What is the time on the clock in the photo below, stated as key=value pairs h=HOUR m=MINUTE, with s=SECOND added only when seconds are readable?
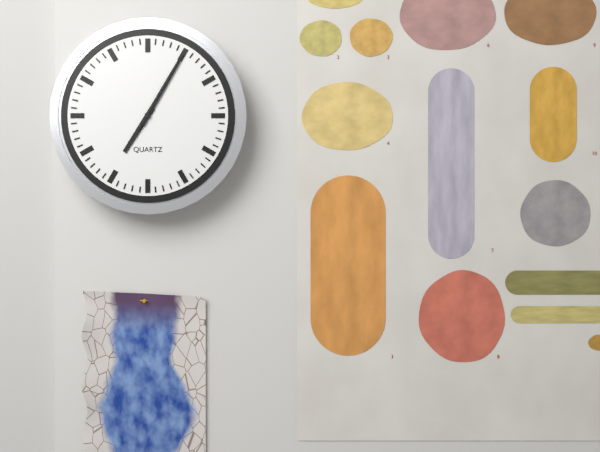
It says h=7 m=5 s=5
